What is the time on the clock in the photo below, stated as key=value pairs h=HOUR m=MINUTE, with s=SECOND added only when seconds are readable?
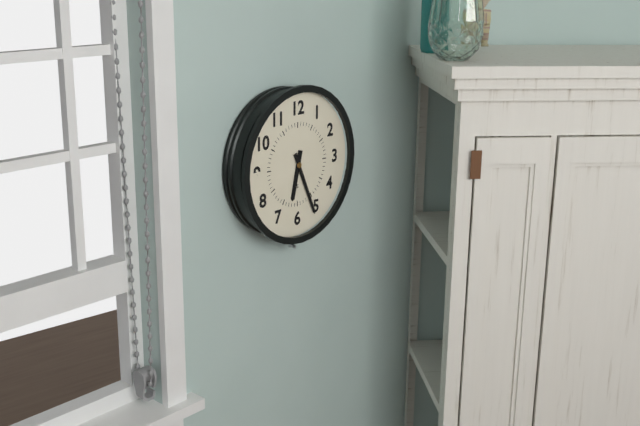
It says h=6 m=26
